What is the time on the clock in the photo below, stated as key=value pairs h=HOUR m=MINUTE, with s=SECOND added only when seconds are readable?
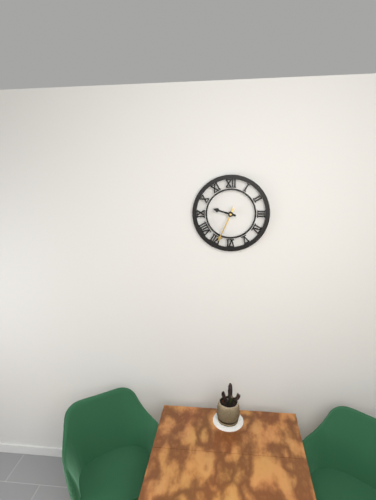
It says h=9 m=34
